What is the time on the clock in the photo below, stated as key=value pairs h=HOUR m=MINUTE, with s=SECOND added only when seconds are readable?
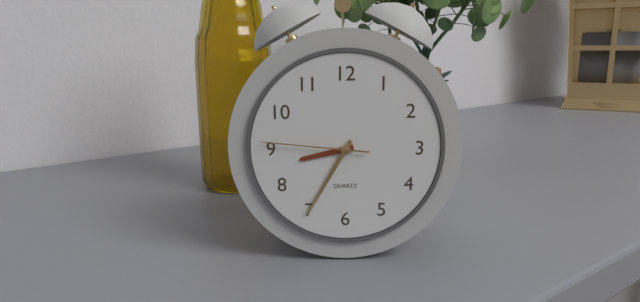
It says h=8 m=35 s=46
